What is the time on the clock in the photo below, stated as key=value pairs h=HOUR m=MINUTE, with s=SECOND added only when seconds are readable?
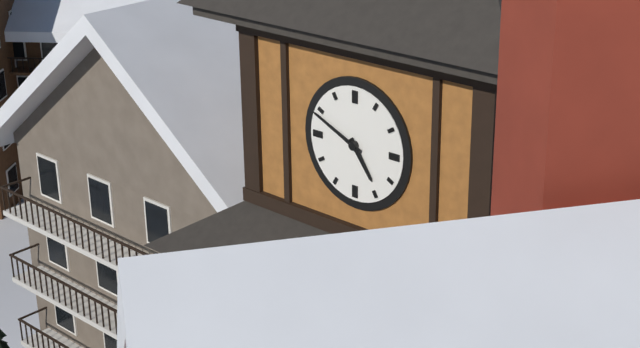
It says h=4 m=49
